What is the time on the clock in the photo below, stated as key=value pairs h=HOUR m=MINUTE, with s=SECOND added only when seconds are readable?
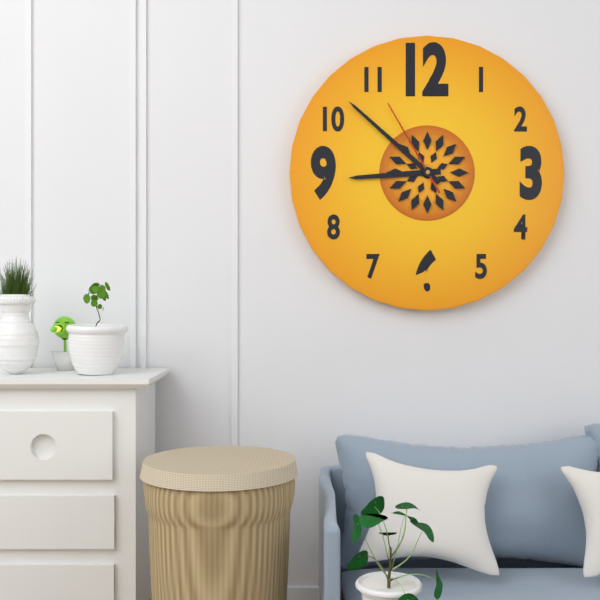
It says h=8 m=52 s=55
